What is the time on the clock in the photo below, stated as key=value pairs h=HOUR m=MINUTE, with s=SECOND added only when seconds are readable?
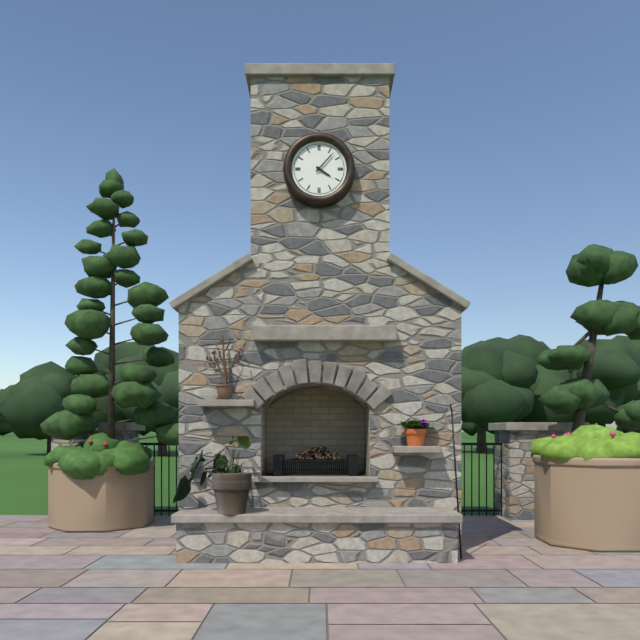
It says h=4 m=7
